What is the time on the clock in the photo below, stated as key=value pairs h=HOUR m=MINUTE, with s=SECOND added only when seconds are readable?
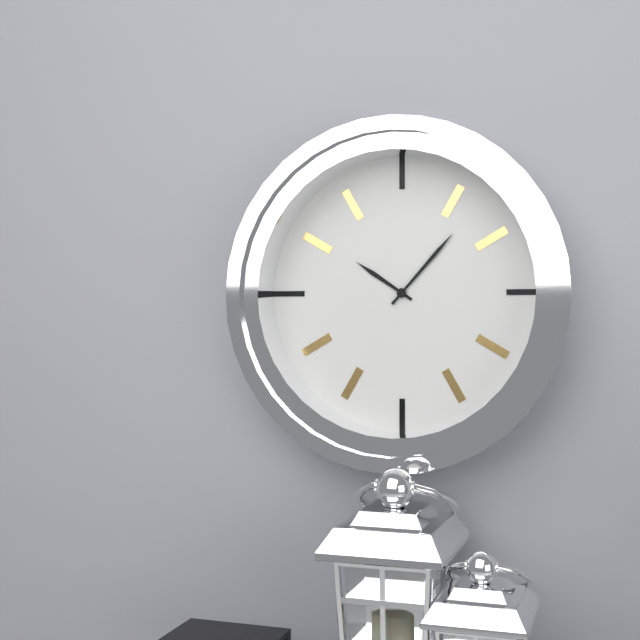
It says h=10 m=7
